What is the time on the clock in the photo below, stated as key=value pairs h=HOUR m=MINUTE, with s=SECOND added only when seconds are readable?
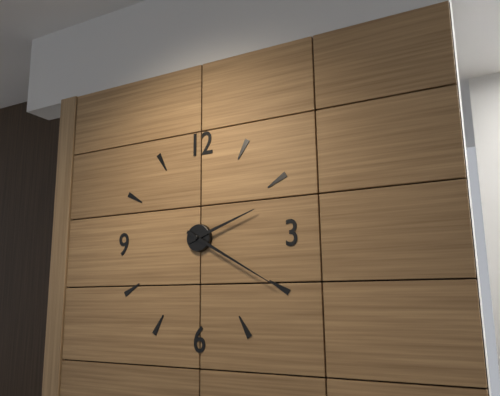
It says h=2 m=20
